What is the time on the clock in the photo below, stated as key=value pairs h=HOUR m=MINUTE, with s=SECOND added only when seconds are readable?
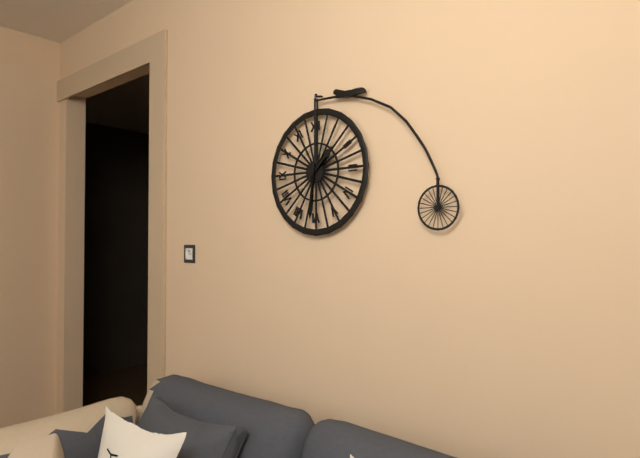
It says h=1 m=31
